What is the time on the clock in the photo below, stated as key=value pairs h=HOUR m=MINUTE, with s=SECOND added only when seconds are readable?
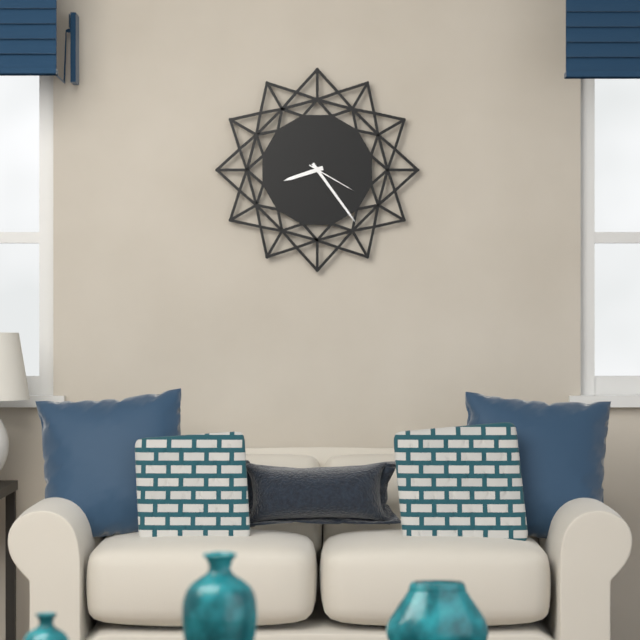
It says h=8 m=24 s=20
